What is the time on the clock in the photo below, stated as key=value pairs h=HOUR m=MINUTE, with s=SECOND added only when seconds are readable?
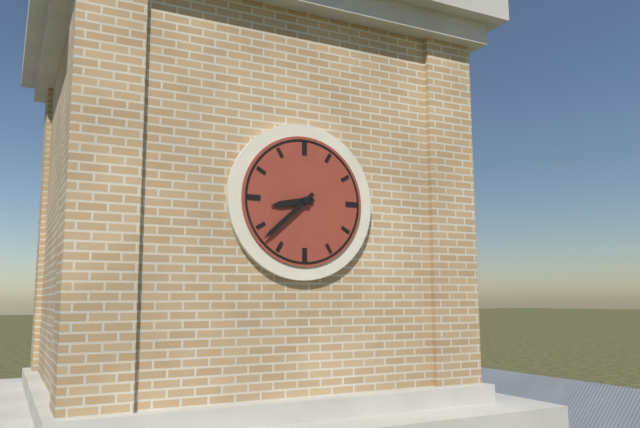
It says h=8 m=38
